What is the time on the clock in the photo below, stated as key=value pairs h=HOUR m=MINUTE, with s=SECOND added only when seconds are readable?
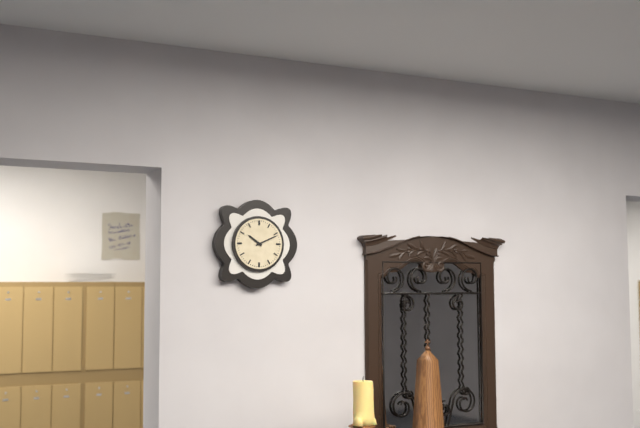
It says h=10 m=11
